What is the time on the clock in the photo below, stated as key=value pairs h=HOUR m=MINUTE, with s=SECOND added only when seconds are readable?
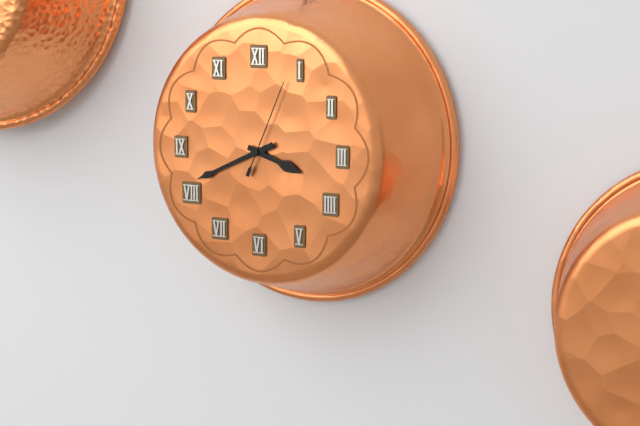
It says h=3 m=41 s=4
